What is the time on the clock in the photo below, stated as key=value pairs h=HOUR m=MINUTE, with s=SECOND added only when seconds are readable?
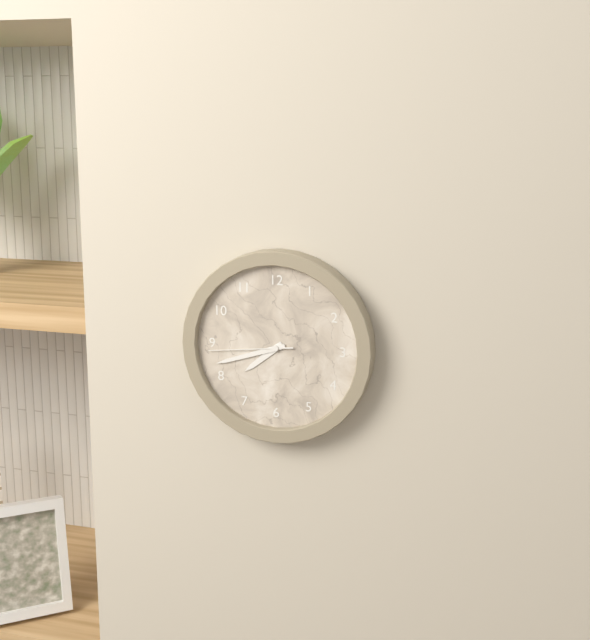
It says h=7 m=42 s=44
